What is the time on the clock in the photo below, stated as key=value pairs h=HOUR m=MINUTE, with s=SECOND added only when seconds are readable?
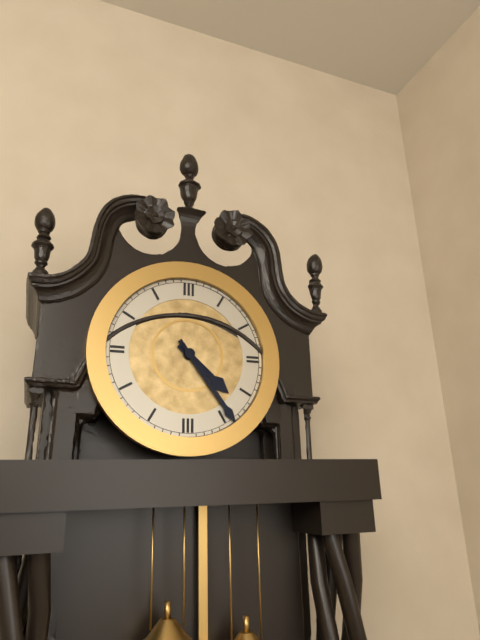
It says h=4 m=24
